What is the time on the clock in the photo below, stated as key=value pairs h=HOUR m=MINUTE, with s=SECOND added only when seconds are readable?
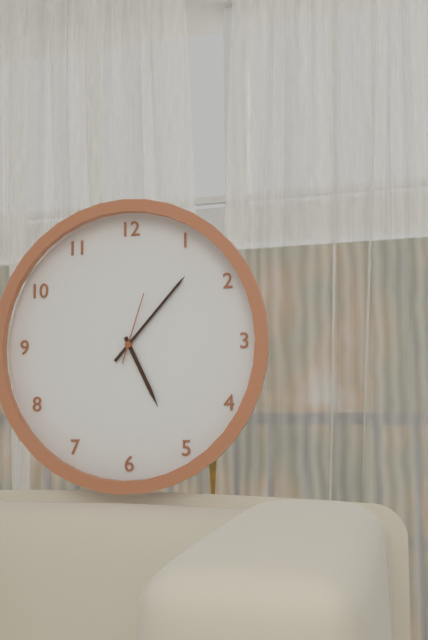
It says h=5 m=7 s=3
